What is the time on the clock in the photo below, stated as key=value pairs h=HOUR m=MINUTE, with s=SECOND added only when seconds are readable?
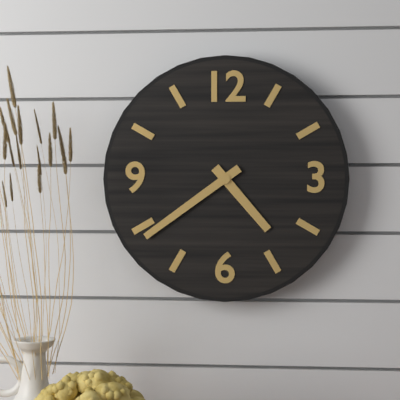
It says h=4 m=39
